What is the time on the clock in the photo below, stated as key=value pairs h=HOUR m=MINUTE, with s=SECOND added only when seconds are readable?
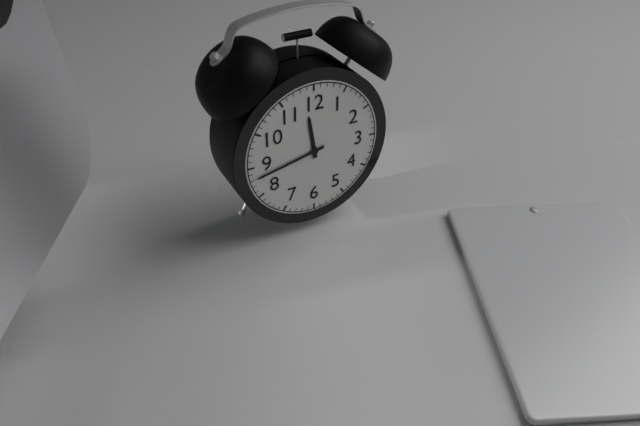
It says h=11 m=43
